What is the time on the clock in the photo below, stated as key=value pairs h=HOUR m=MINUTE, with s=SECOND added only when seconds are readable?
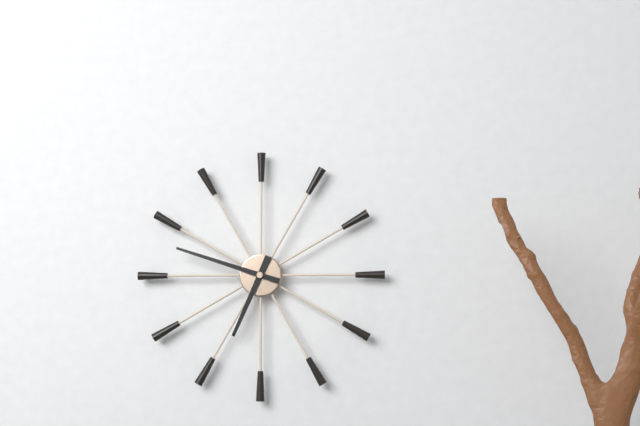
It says h=6 m=48
